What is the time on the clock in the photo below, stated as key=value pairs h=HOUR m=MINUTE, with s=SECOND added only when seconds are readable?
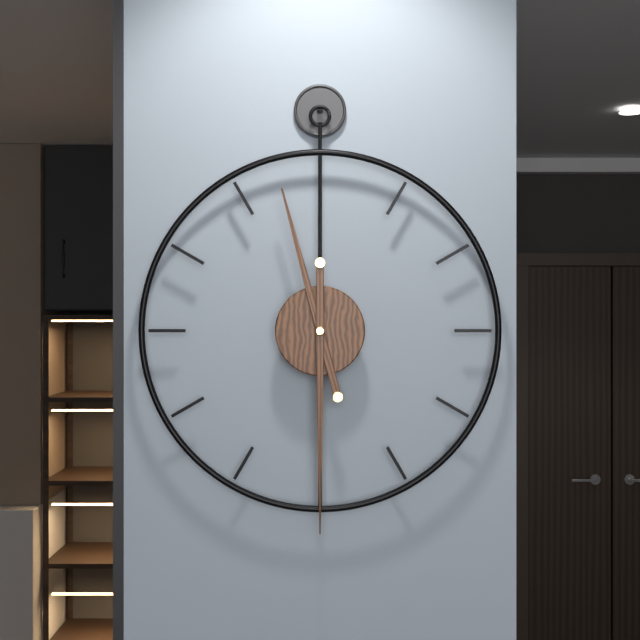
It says h=11 m=30
